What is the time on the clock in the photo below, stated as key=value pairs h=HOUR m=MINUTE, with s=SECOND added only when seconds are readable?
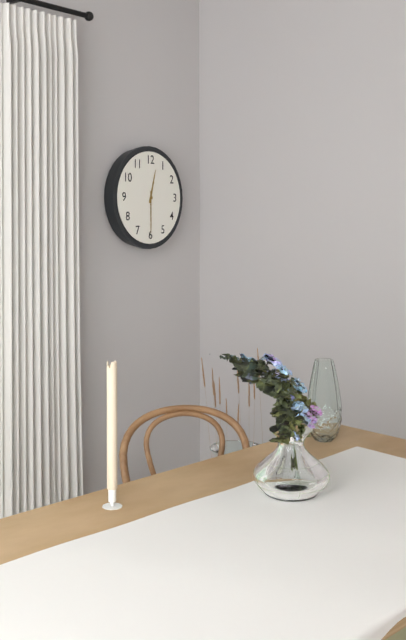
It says h=12 m=30
